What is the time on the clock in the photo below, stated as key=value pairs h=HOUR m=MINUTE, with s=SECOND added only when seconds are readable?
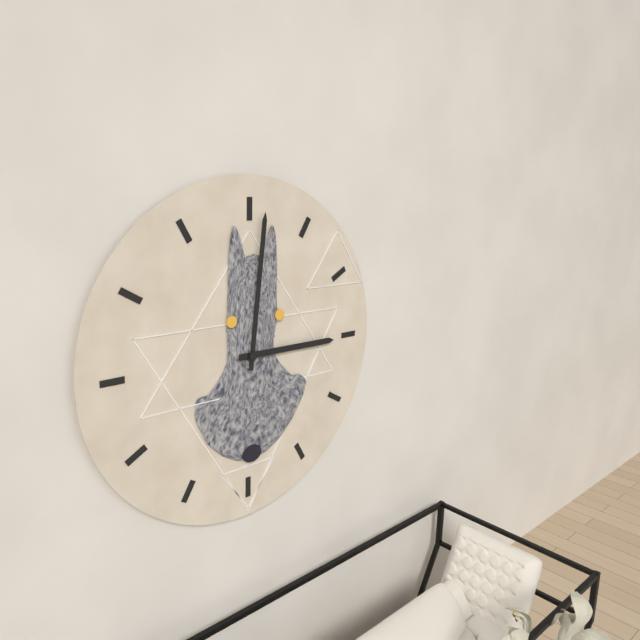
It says h=3 m=1
